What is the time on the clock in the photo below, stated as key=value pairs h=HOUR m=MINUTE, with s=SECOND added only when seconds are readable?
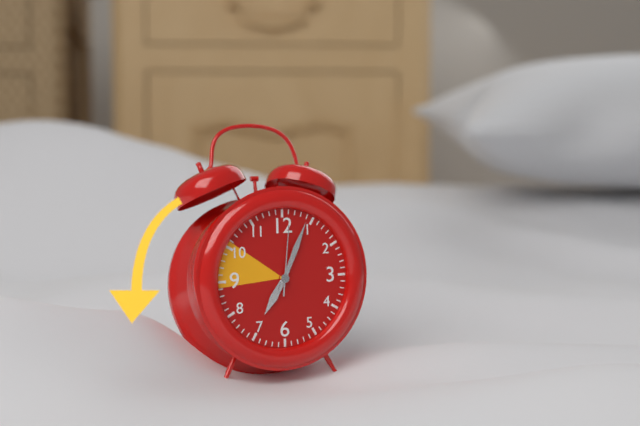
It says h=7 m=4 s=1
